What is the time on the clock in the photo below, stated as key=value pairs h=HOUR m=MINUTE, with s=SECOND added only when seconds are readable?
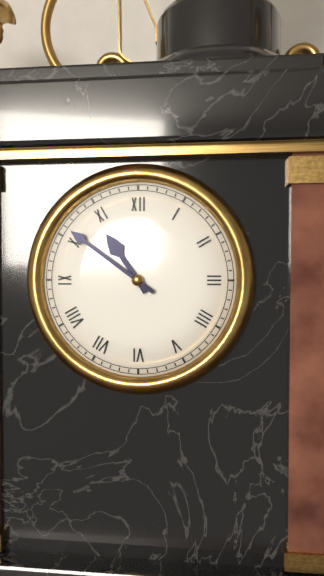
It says h=10 m=51
